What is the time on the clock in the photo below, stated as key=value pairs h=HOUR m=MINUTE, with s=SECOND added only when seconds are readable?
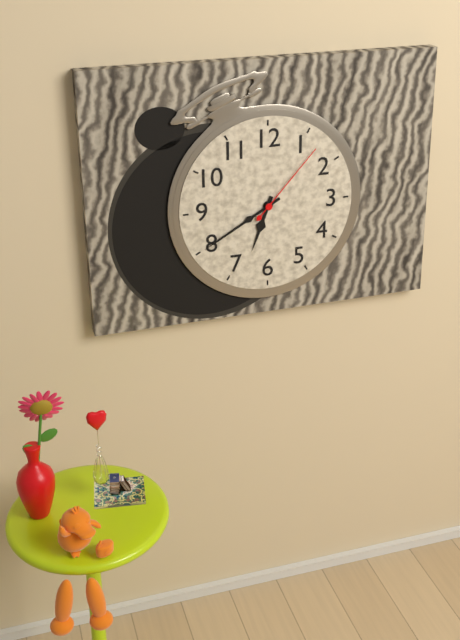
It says h=6 m=40 s=7
